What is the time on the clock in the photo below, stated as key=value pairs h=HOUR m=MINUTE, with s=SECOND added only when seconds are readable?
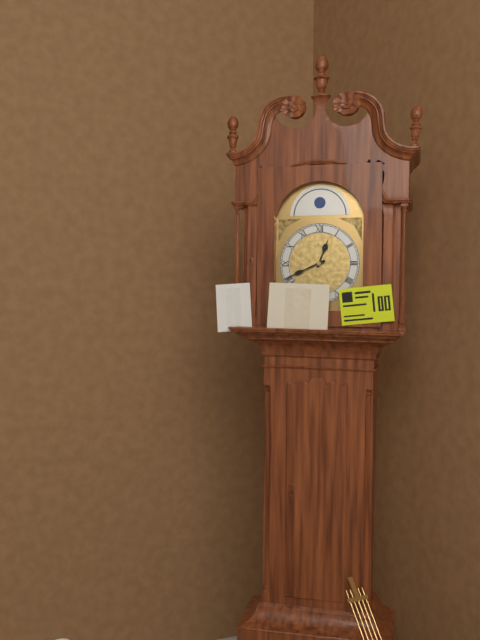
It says h=12 m=41
